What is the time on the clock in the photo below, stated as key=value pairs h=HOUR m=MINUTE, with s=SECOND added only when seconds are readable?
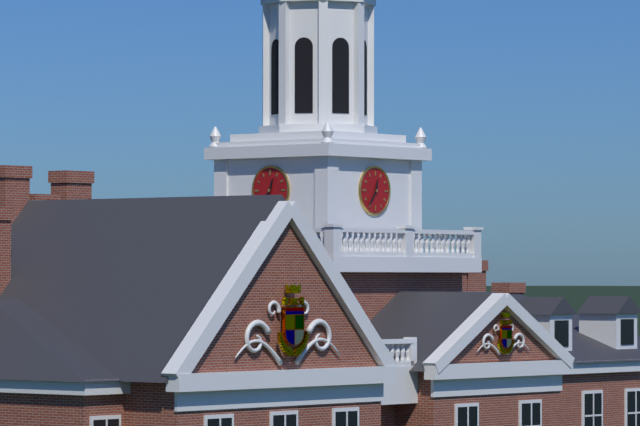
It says h=12 m=36
